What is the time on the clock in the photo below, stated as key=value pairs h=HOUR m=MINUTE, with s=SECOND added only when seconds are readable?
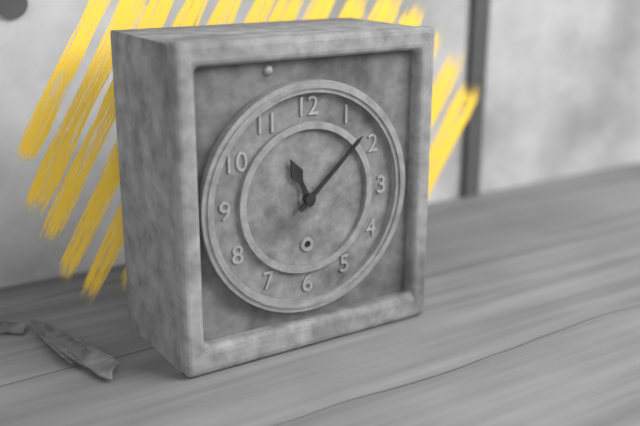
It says h=11 m=8
